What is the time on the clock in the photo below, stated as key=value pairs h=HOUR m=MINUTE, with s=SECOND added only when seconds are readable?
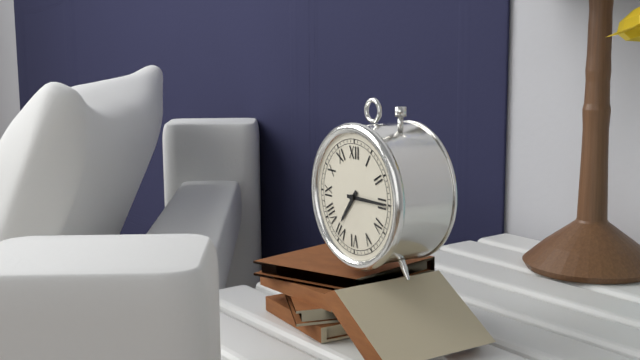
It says h=7 m=15
